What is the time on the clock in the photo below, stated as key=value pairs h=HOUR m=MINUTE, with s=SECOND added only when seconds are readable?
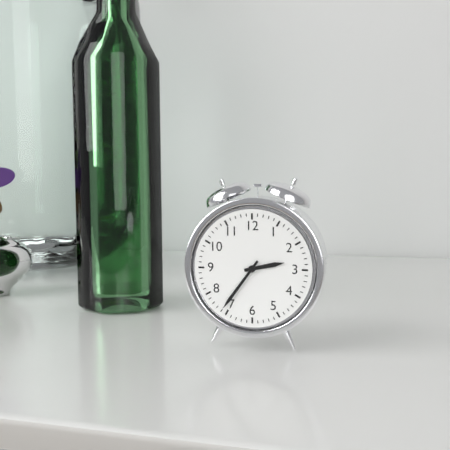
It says h=2 m=36
